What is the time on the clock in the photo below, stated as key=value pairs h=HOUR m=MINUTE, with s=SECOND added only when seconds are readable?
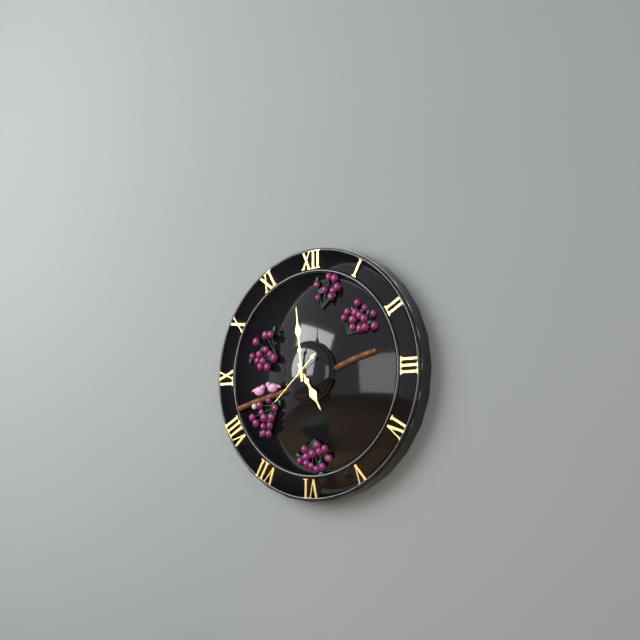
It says h=4 m=59 s=38
